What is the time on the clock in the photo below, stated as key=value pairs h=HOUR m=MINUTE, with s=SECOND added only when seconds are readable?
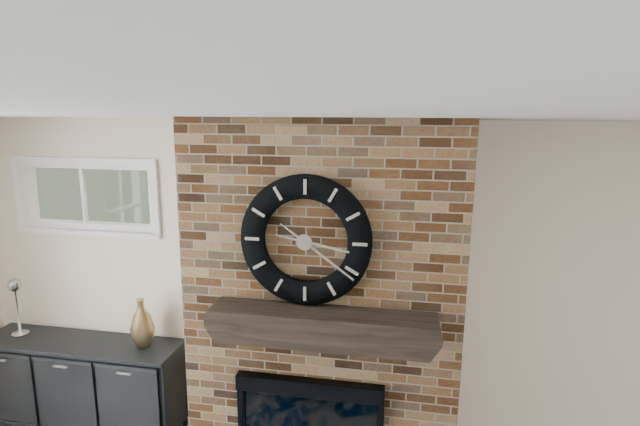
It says h=3 m=21
